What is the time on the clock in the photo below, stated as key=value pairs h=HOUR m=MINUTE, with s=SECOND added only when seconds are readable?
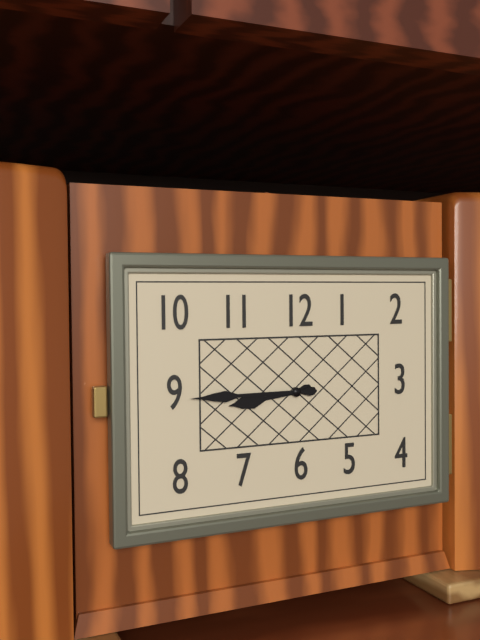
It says h=8 m=45
